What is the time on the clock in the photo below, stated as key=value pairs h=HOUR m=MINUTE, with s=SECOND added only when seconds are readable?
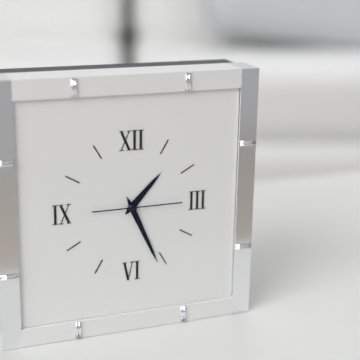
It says h=1 m=26 s=15
